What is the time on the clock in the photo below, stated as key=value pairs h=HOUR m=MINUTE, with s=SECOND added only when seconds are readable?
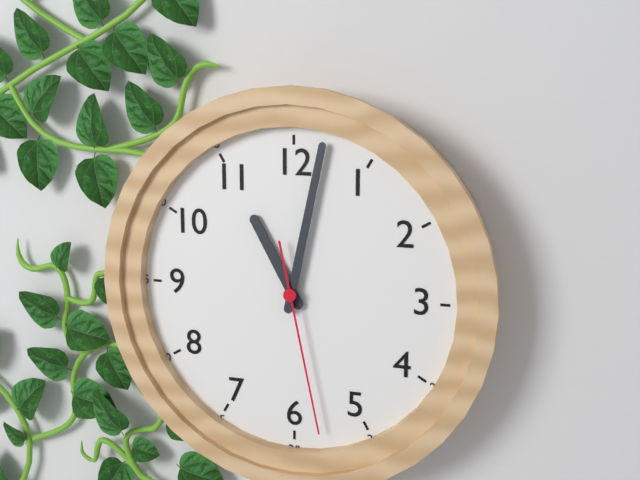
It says h=11 m=2 s=28
